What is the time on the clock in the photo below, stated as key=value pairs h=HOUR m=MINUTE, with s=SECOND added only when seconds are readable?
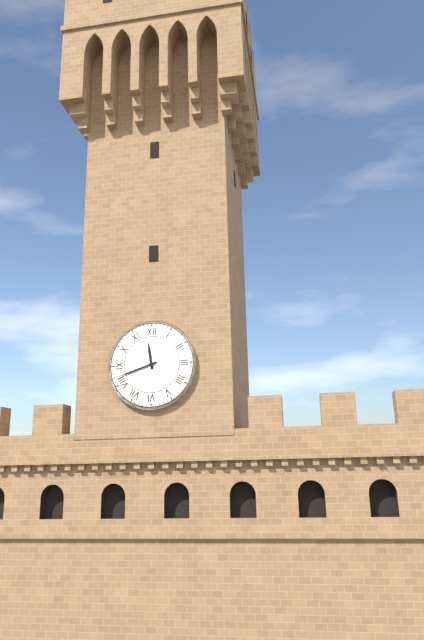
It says h=11 m=42
